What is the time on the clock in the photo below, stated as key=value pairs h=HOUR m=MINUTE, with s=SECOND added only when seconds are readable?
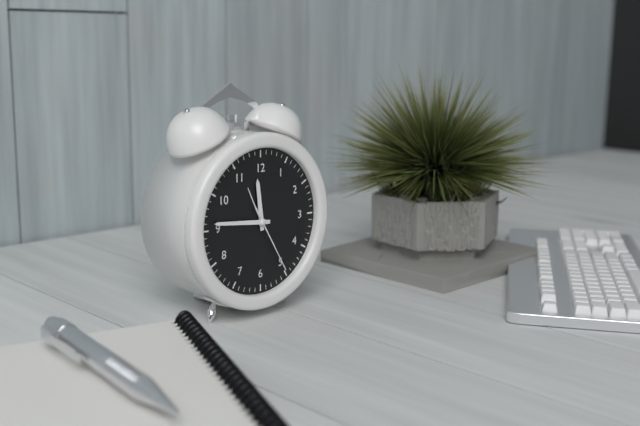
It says h=11 m=46 s=25
